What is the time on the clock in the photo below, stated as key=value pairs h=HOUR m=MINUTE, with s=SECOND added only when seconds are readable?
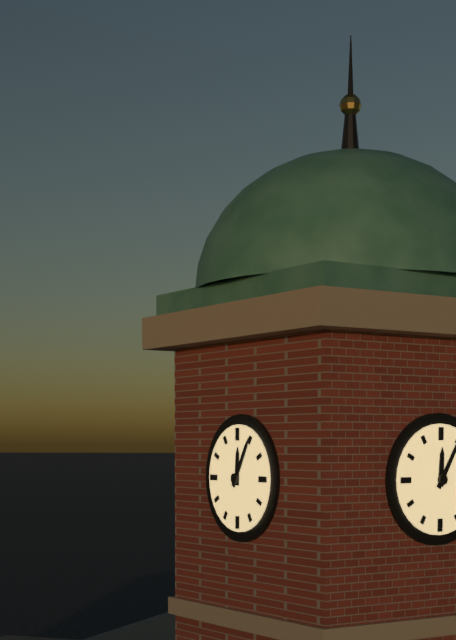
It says h=12 m=5
